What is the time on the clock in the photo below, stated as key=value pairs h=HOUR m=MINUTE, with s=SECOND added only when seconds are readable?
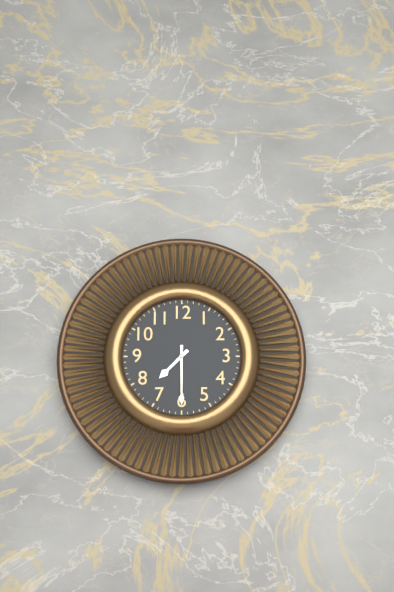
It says h=7 m=30
